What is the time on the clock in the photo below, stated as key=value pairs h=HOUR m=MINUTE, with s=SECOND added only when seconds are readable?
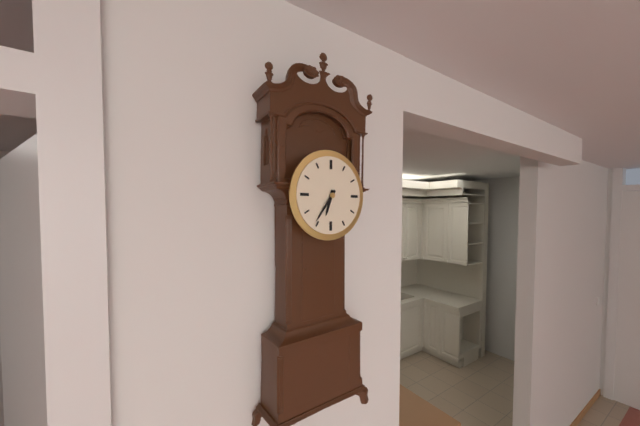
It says h=6 m=36
